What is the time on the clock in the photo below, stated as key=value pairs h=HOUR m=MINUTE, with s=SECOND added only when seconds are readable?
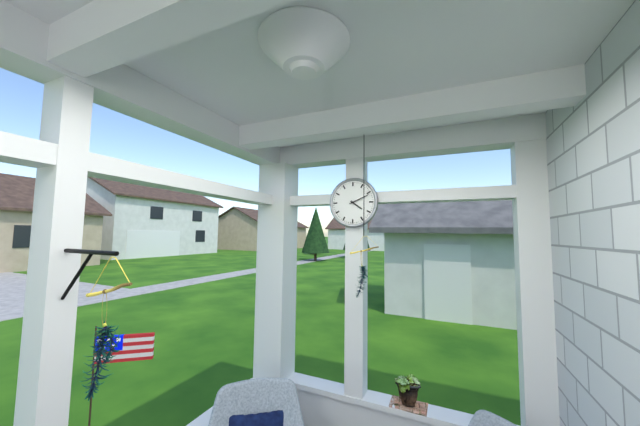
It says h=4 m=11
